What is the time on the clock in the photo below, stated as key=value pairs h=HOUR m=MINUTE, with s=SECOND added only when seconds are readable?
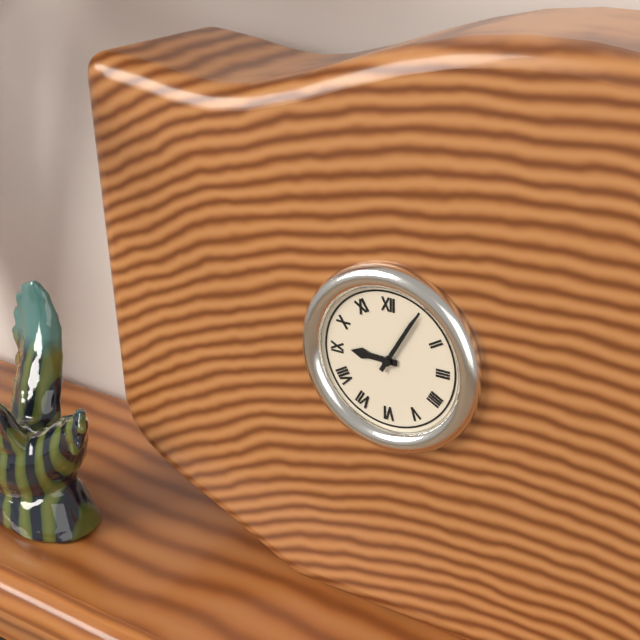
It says h=9 m=5
